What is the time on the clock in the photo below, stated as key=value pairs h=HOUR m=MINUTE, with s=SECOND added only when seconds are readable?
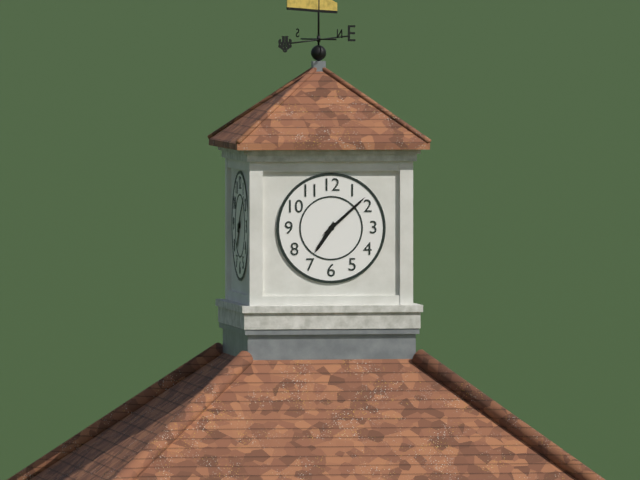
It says h=7 m=8
